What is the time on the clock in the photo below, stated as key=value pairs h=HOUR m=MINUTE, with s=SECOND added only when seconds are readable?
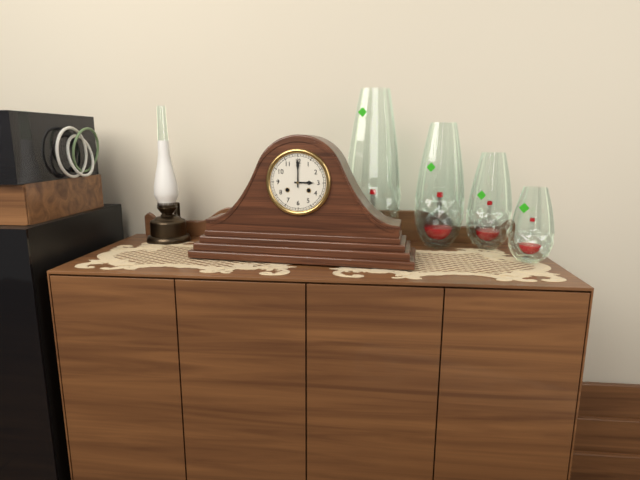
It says h=3 m=0
